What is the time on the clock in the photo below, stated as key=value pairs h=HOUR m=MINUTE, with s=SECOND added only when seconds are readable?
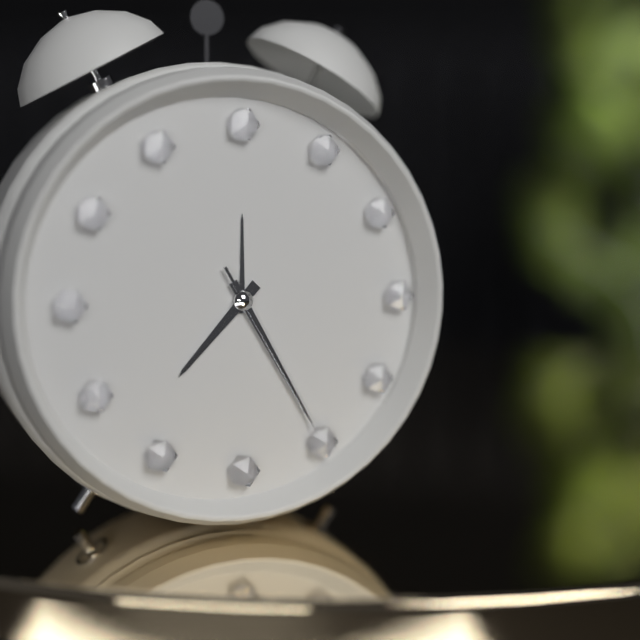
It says h=7 m=25 s=25
